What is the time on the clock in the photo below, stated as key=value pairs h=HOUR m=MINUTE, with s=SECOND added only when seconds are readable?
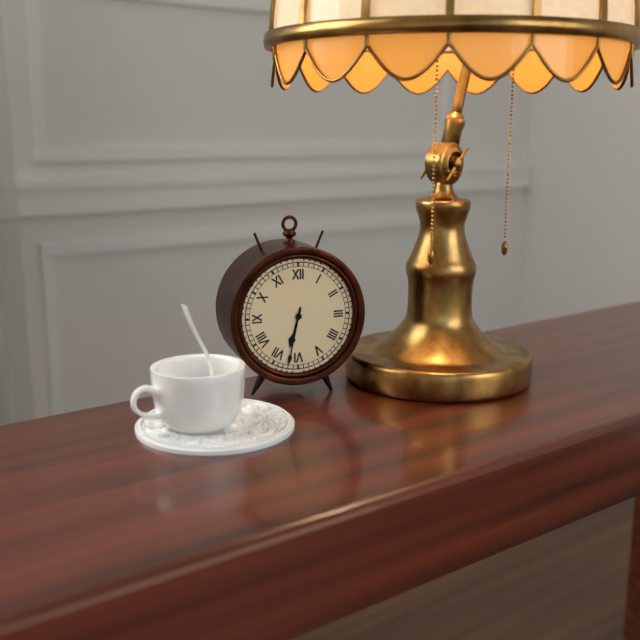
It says h=6 m=32
